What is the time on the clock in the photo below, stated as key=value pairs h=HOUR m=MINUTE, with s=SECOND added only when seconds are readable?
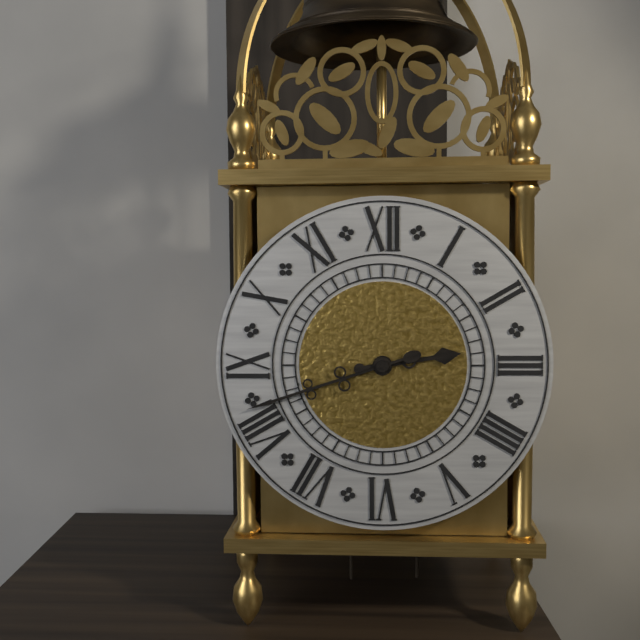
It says h=2 m=42
